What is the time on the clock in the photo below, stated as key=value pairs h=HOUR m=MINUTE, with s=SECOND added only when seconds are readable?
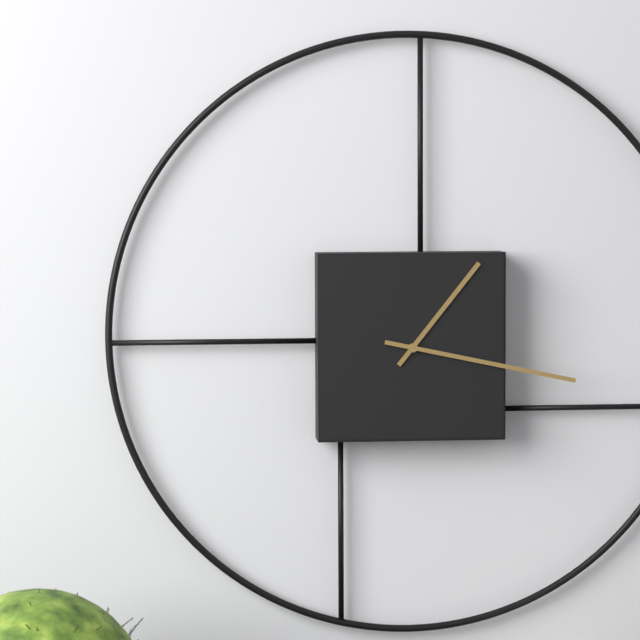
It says h=1 m=17
